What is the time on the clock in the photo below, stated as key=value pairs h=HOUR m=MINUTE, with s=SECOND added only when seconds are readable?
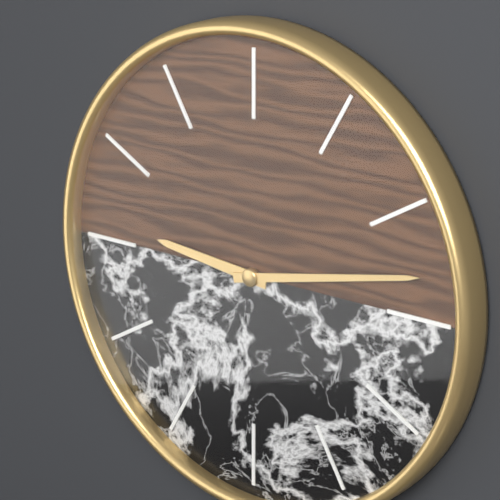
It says h=9 m=13
